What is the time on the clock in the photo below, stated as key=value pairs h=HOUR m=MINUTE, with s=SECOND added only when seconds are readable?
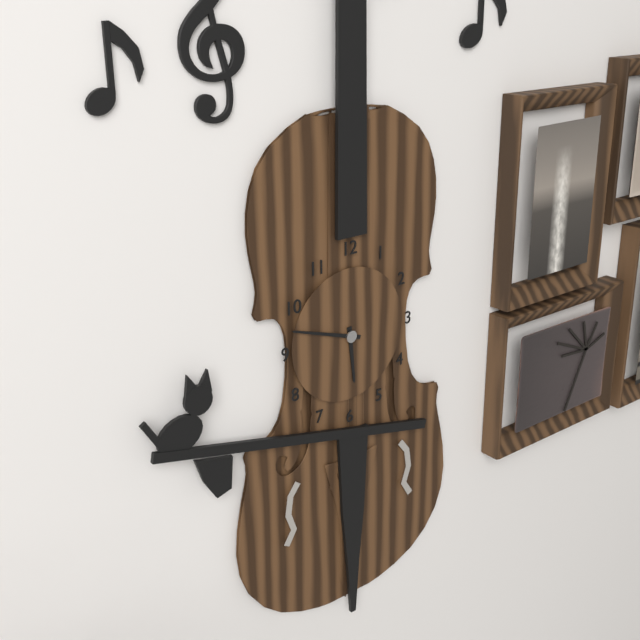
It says h=5 m=48
